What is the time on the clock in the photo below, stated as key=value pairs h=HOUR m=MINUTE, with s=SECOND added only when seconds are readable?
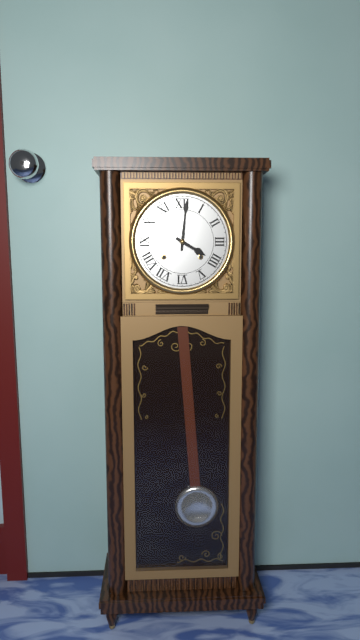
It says h=4 m=1
